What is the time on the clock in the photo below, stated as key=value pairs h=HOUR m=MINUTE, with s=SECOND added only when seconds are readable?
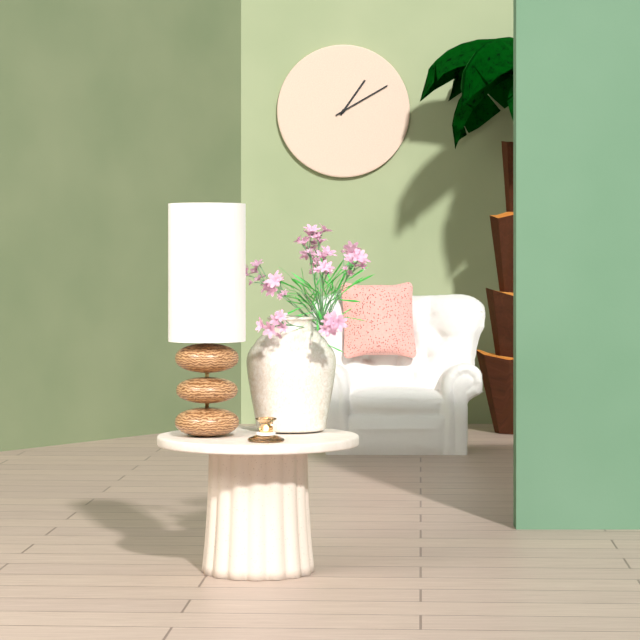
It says h=1 m=10
